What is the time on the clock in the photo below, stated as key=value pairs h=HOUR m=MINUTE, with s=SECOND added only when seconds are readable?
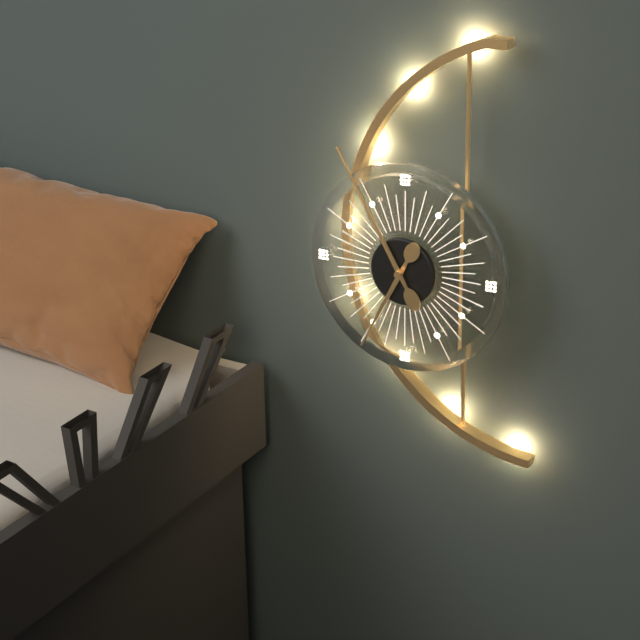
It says h=6 m=55
